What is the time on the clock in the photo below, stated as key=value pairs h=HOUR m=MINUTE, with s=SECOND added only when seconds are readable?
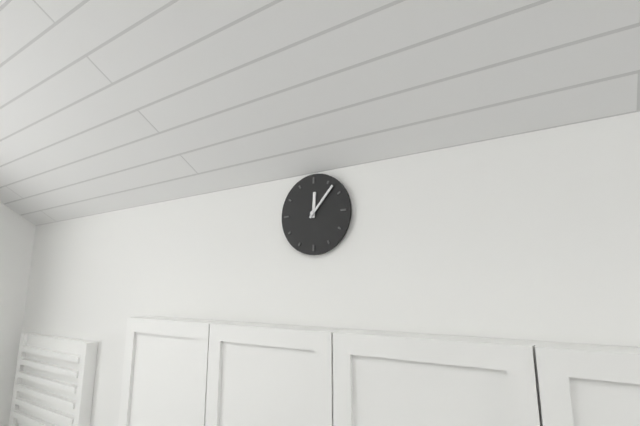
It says h=12 m=7
